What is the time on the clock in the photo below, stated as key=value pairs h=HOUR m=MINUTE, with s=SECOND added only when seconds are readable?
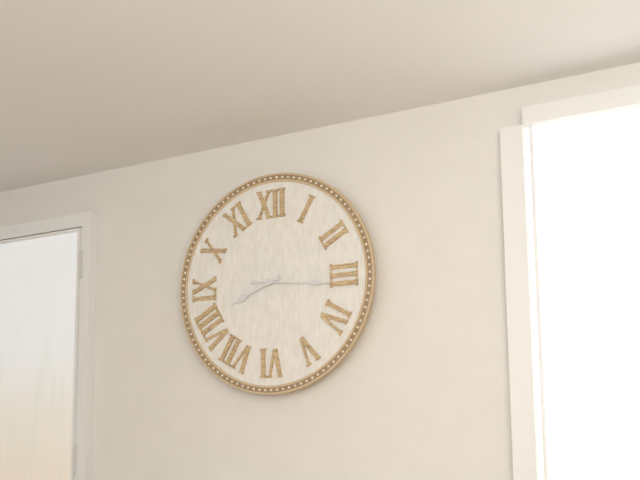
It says h=8 m=16
